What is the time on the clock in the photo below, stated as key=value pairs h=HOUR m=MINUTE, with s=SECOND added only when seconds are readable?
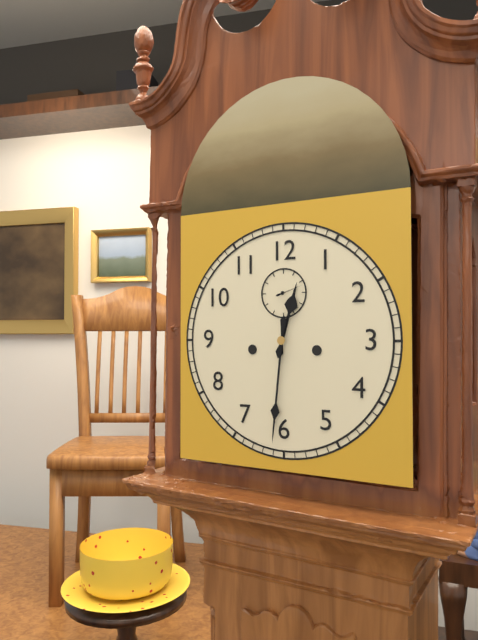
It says h=12 m=31
